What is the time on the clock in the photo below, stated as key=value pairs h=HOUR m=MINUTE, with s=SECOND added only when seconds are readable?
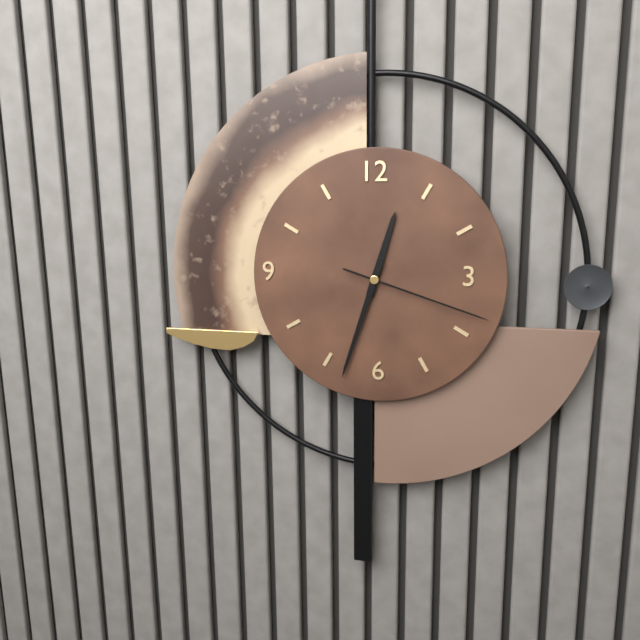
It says h=12 m=33 s=18
